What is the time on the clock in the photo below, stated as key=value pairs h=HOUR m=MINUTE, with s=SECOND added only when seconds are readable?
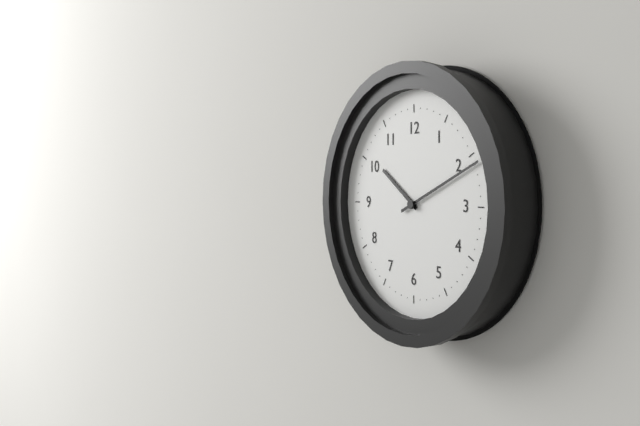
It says h=10 m=11
